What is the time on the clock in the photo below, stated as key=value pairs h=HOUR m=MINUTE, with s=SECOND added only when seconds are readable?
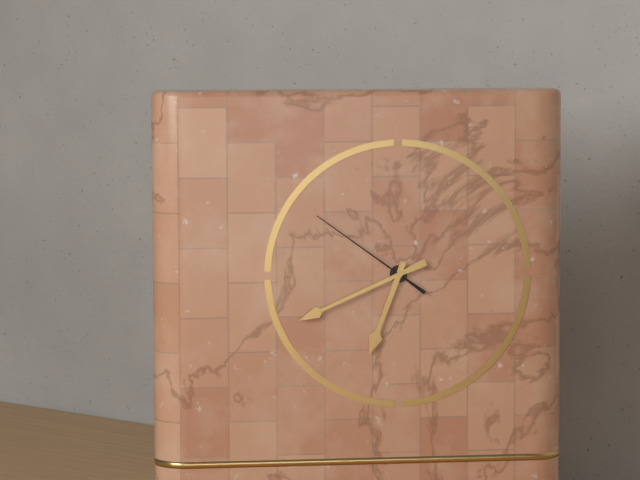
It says h=6 m=41 s=51
